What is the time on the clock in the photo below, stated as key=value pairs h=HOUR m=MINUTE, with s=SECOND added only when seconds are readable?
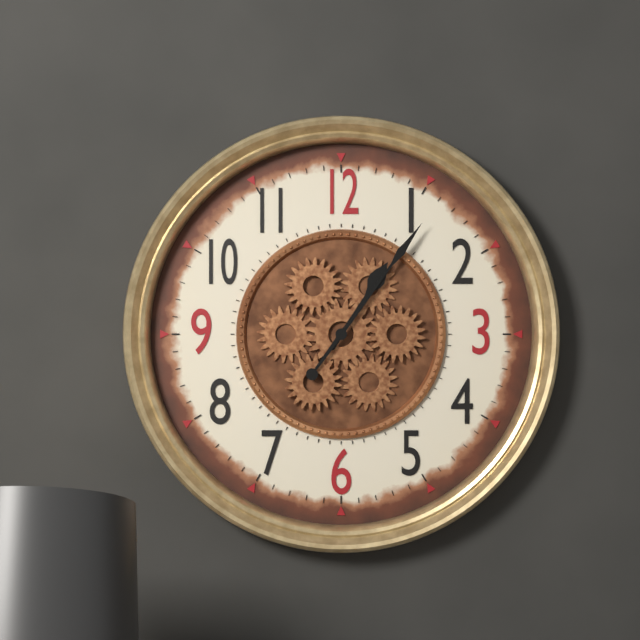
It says h=1 m=6
